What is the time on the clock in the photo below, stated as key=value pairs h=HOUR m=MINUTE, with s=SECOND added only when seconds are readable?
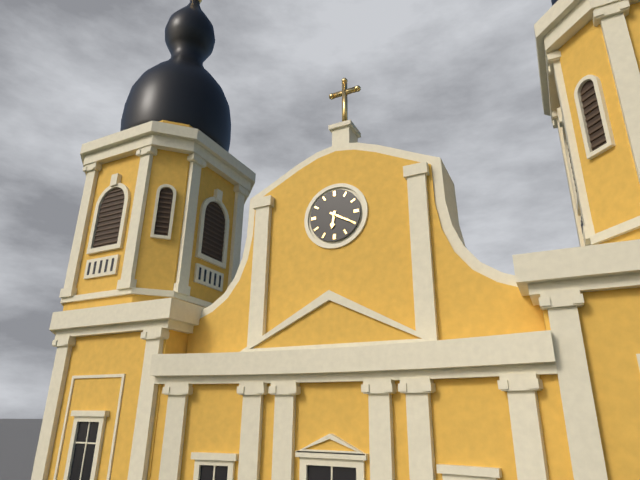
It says h=6 m=20
